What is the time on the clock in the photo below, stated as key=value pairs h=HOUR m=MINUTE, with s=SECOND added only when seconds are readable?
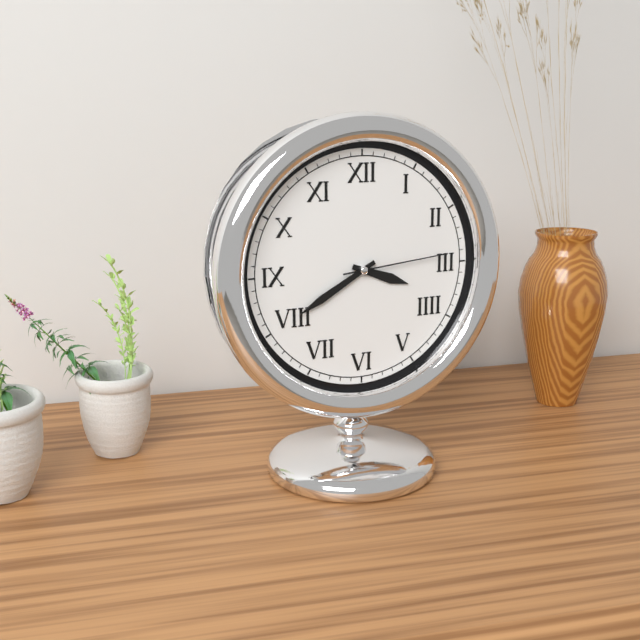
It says h=3 m=40 s=14
